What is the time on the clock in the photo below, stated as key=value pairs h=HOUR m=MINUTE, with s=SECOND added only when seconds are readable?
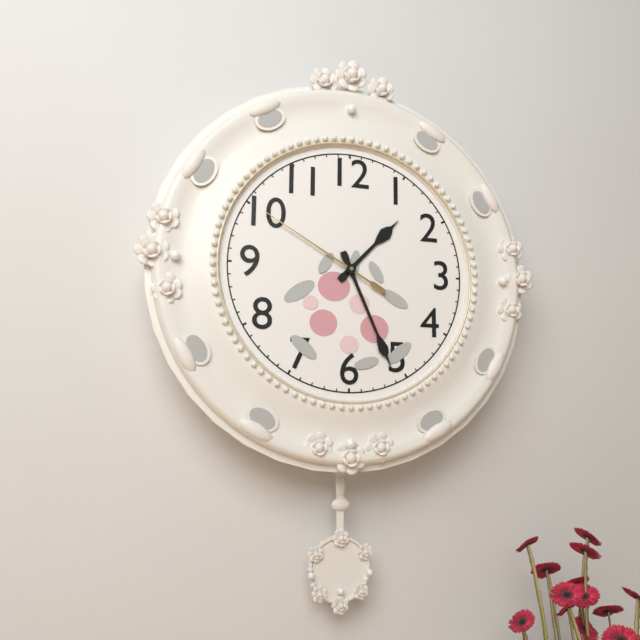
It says h=1 m=26 s=50
